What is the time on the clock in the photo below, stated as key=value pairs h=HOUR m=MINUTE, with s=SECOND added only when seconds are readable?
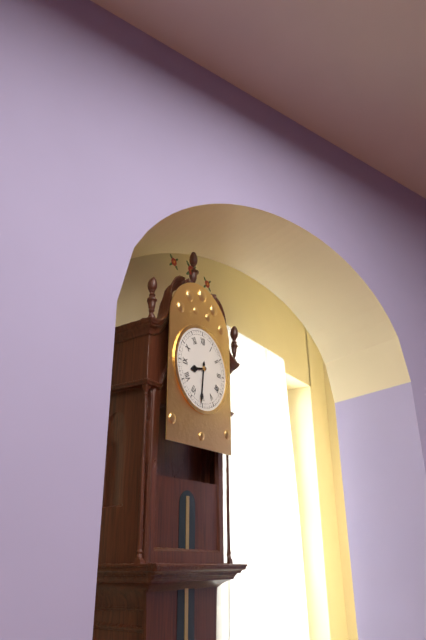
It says h=8 m=31
